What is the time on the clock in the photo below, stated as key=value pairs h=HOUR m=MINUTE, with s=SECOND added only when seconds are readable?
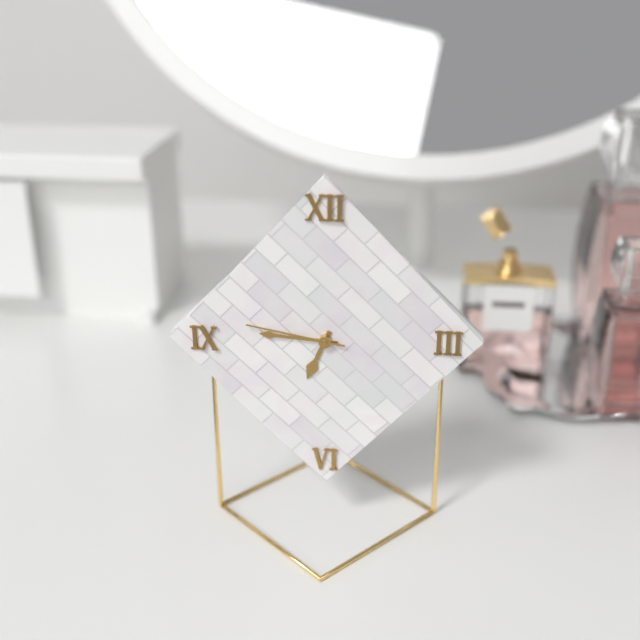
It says h=6 m=46 s=47
